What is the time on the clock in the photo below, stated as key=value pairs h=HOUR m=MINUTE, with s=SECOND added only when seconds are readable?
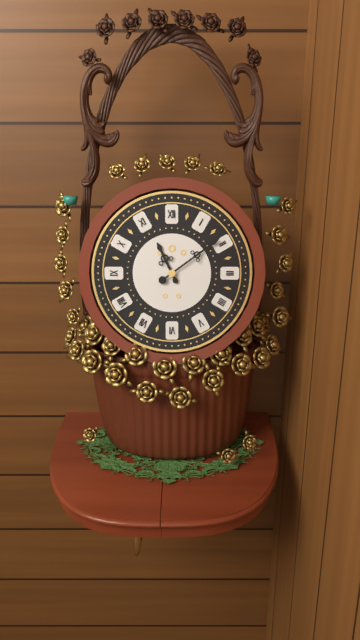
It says h=11 m=9
